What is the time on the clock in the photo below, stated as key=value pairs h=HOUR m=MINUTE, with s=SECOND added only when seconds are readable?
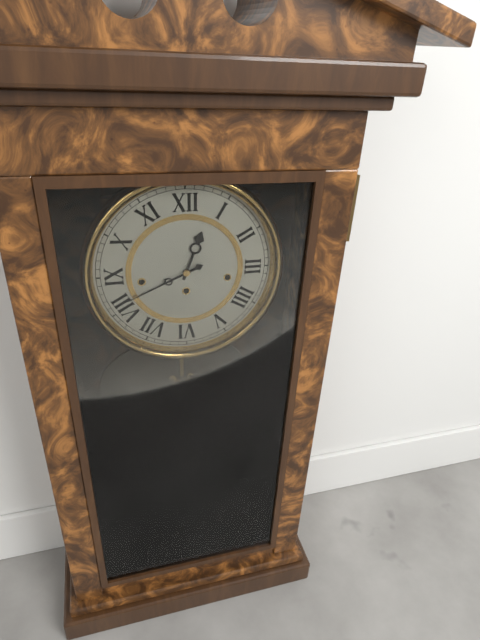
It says h=12 m=41
